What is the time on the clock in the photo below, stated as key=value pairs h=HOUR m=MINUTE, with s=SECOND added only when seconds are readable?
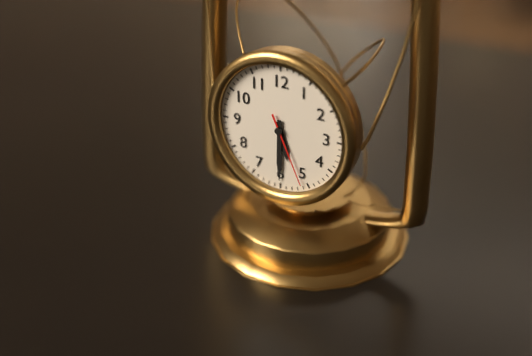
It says h=5 m=30 s=26
